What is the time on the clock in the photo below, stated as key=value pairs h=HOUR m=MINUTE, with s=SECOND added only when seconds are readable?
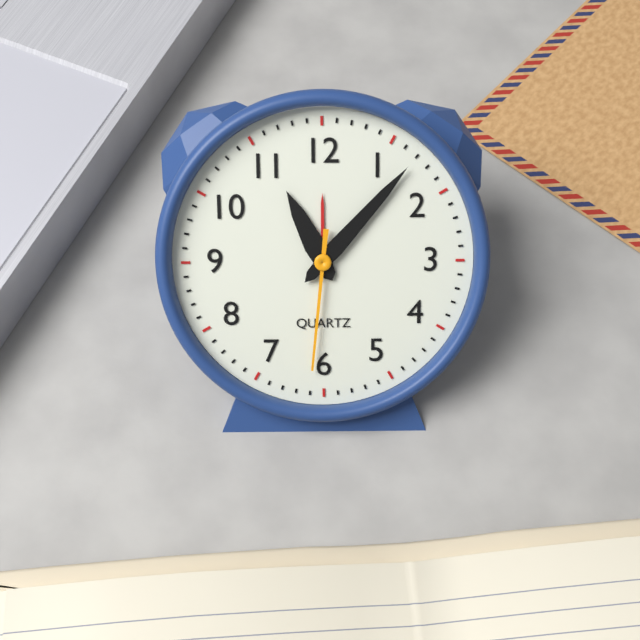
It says h=11 m=7 s=31
